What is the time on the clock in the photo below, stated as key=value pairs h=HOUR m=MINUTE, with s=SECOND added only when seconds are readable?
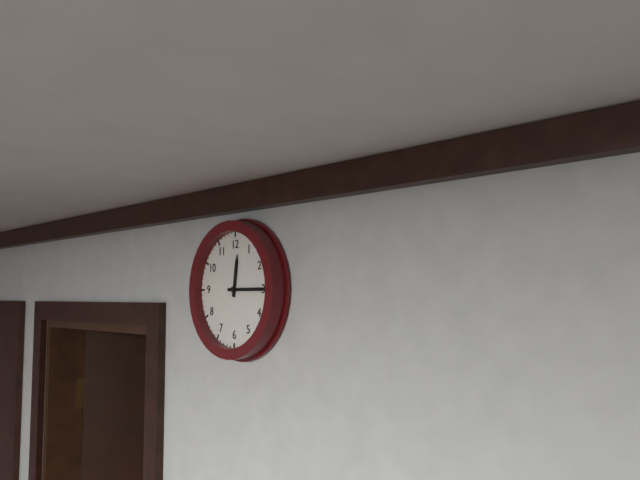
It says h=12 m=15
